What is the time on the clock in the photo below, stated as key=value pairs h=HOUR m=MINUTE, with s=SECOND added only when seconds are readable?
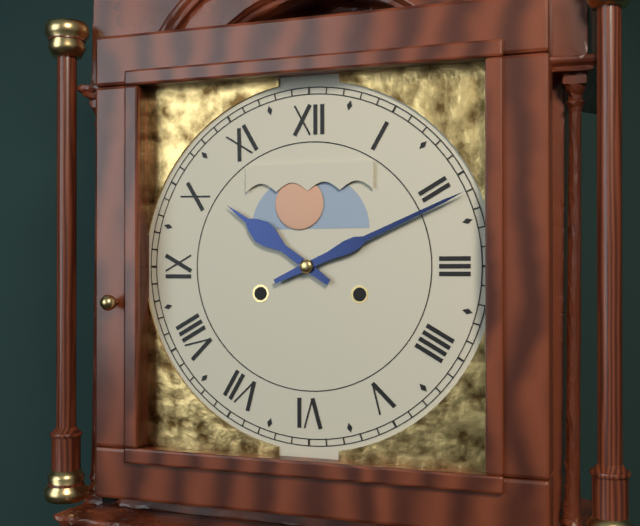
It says h=10 m=11
